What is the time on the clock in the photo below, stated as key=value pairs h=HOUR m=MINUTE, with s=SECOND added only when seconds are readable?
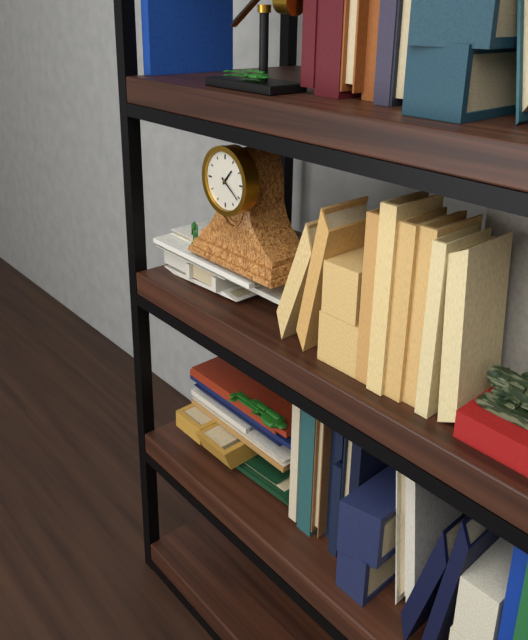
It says h=1 m=21
